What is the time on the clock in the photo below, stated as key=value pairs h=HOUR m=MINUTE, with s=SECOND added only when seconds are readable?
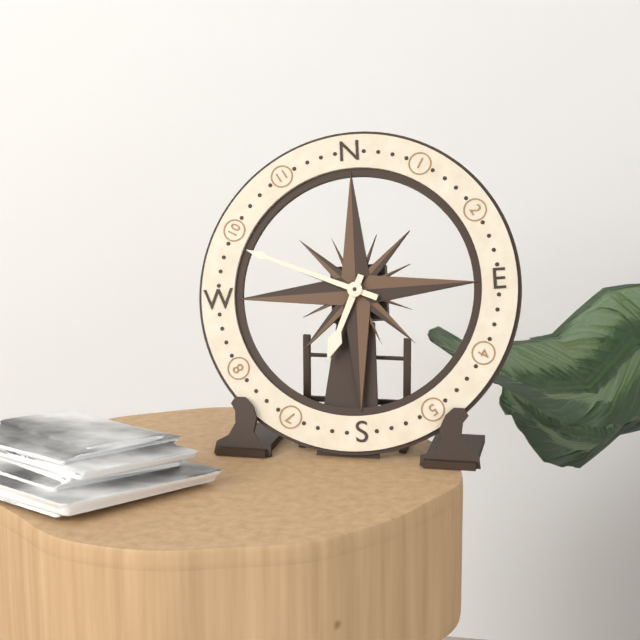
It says h=6 m=49
